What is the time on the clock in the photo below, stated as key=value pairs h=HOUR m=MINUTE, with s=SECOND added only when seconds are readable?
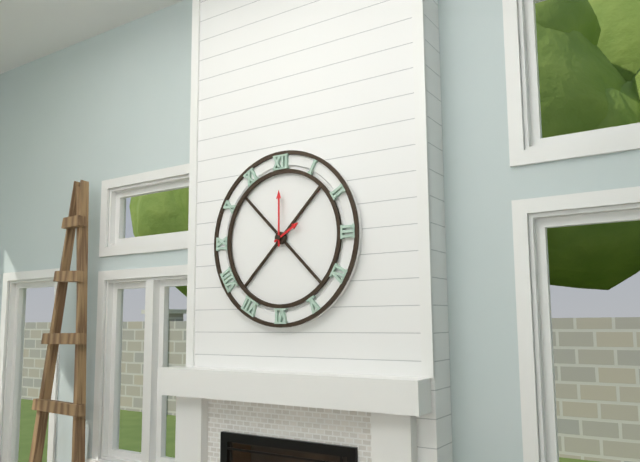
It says h=2 m=0
